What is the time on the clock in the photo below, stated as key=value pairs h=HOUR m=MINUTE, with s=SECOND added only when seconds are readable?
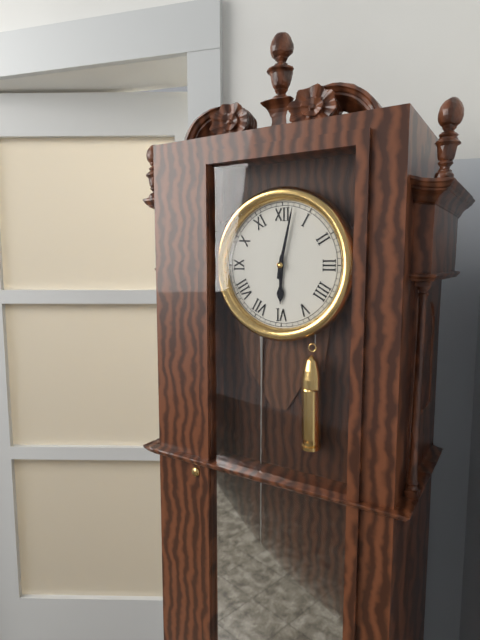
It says h=6 m=2
